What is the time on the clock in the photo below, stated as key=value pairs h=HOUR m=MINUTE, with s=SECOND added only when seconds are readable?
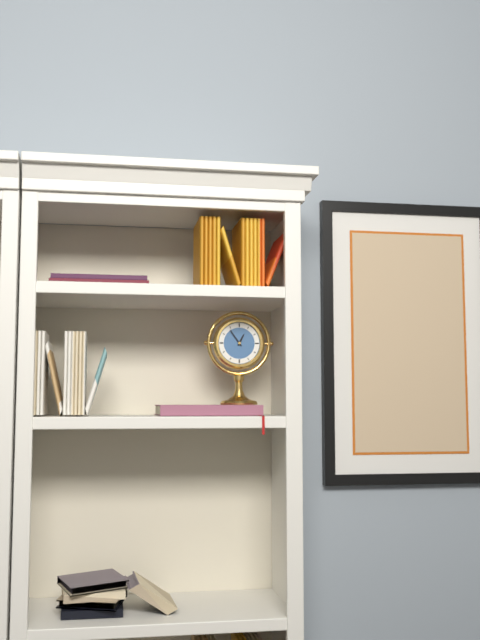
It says h=12 m=54
